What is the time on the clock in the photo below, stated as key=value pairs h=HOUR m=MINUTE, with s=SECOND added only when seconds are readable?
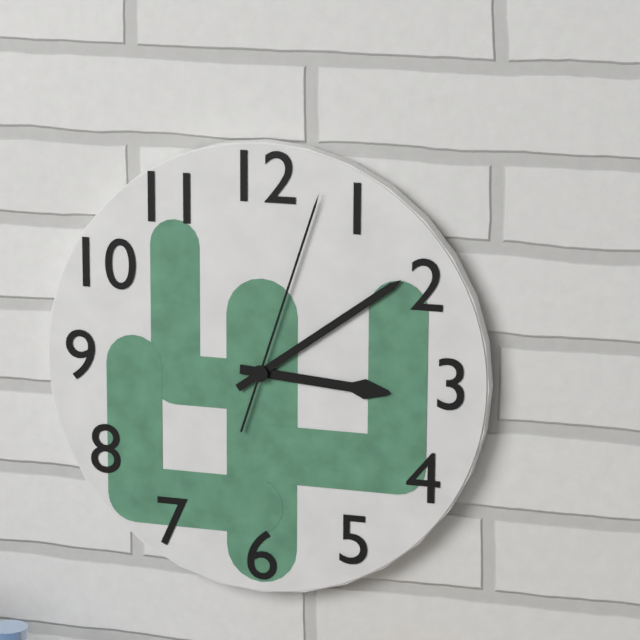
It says h=3 m=9 s=3
